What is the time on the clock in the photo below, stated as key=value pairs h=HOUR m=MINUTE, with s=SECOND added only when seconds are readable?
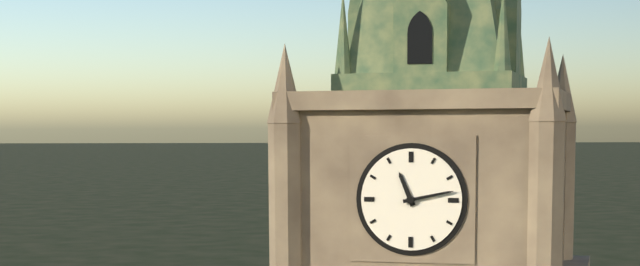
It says h=11 m=13
